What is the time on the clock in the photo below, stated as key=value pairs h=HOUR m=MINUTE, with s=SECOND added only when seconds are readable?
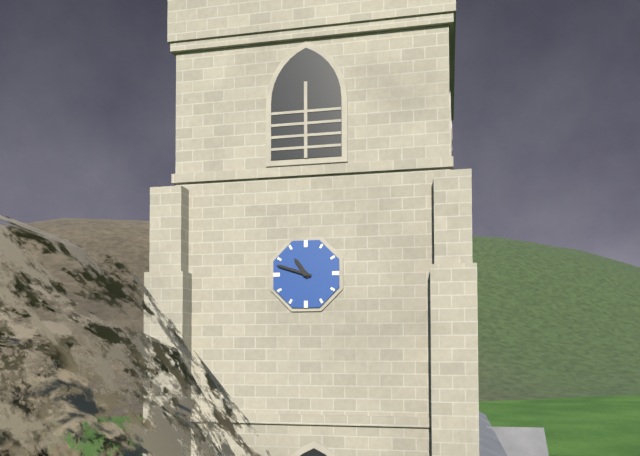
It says h=10 m=48
